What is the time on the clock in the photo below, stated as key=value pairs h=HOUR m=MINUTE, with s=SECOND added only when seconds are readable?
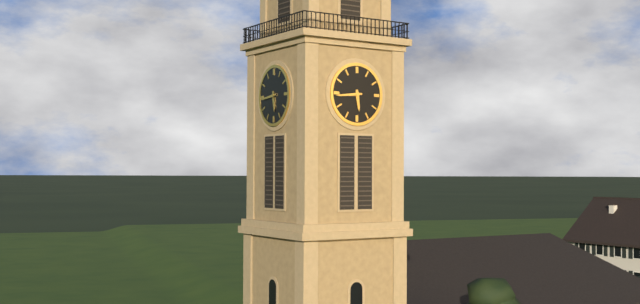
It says h=5 m=44
